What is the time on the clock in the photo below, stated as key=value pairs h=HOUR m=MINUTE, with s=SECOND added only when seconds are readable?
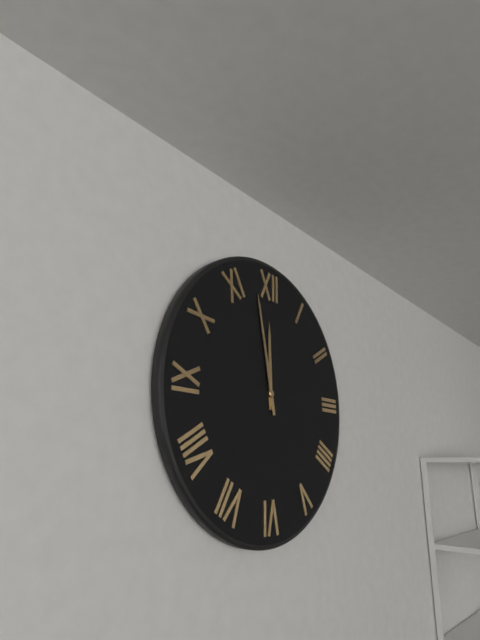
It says h=11 m=58
